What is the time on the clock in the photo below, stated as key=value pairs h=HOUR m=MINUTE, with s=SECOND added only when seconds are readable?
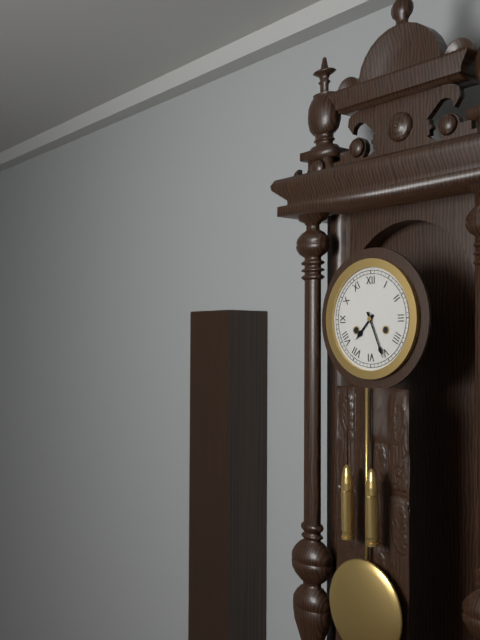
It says h=7 m=26
